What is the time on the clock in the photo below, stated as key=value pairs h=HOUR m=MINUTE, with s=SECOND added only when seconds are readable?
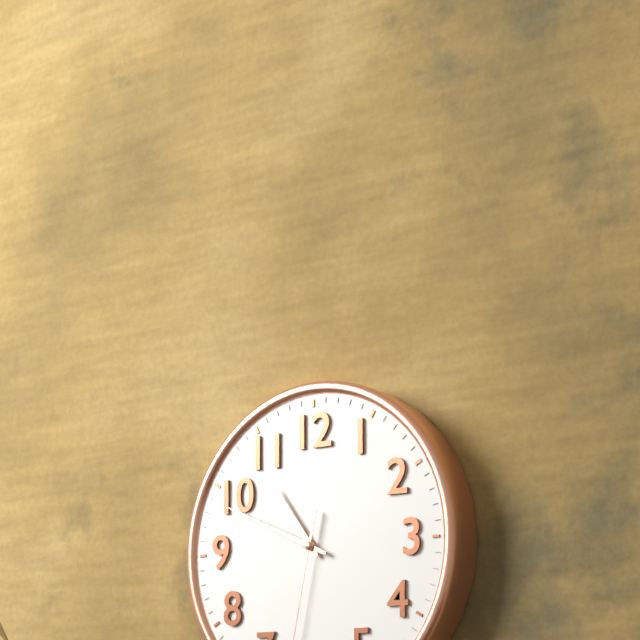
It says h=10 m=49
